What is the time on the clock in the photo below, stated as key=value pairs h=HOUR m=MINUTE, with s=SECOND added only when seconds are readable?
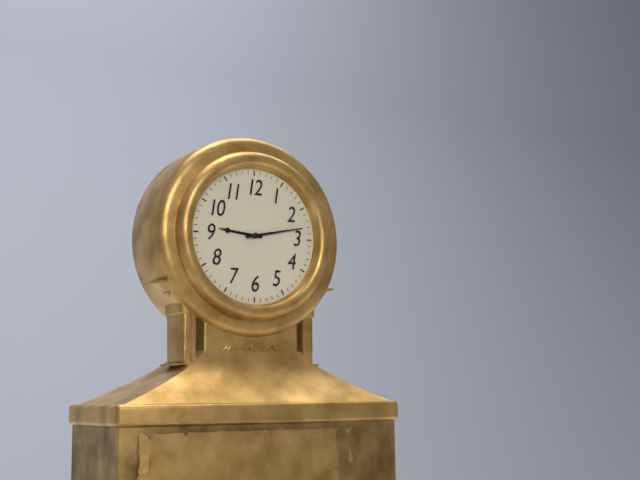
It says h=9 m=13
